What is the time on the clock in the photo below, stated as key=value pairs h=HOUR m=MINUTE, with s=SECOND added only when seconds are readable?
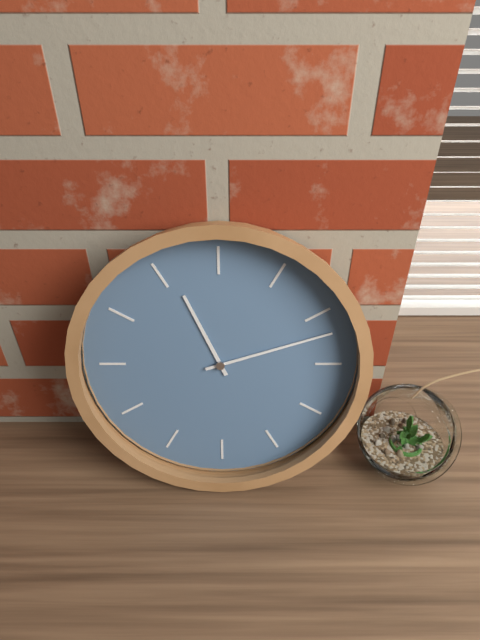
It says h=11 m=12
